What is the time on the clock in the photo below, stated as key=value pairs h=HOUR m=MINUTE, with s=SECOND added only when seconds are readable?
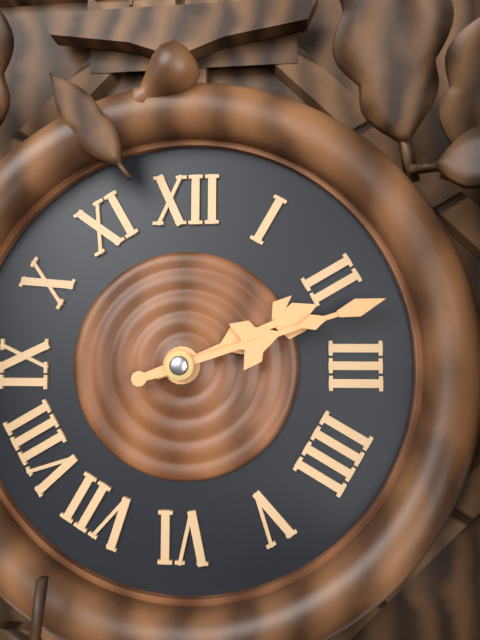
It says h=2 m=12
